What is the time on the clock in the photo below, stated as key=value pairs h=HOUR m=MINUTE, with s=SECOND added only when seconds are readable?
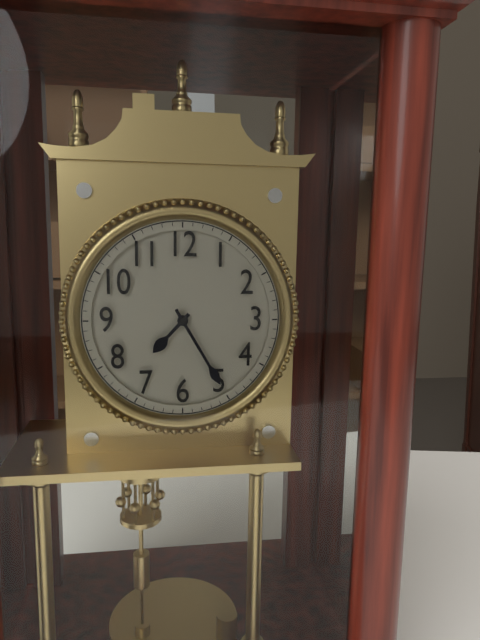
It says h=7 m=25
